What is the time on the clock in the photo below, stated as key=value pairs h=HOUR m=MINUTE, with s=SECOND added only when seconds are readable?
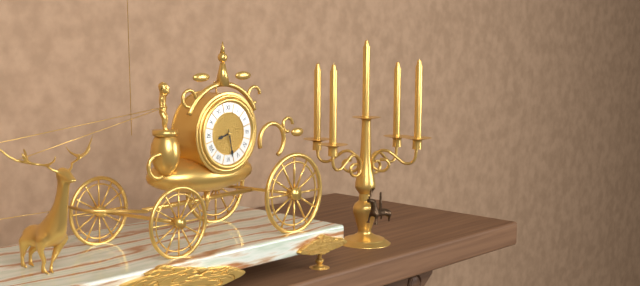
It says h=8 m=28
